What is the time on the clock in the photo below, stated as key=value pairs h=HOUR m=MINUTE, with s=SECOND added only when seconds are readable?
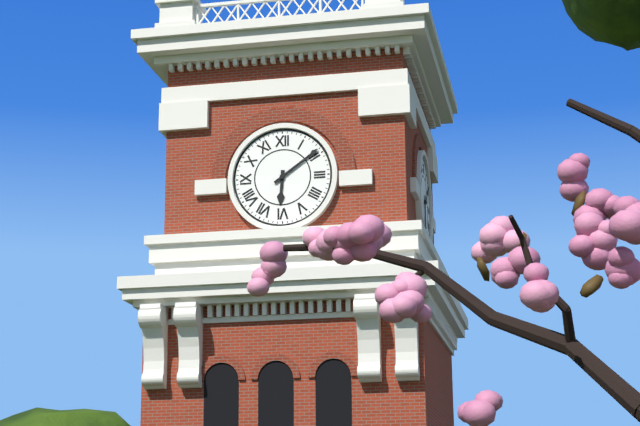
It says h=6 m=9
